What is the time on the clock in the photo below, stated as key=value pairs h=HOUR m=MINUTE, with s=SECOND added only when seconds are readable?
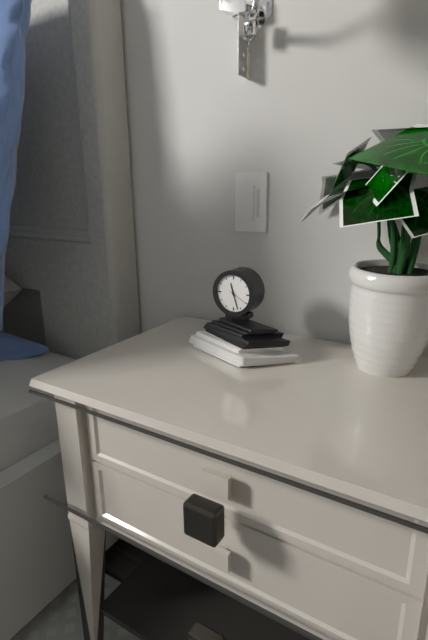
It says h=11 m=27
